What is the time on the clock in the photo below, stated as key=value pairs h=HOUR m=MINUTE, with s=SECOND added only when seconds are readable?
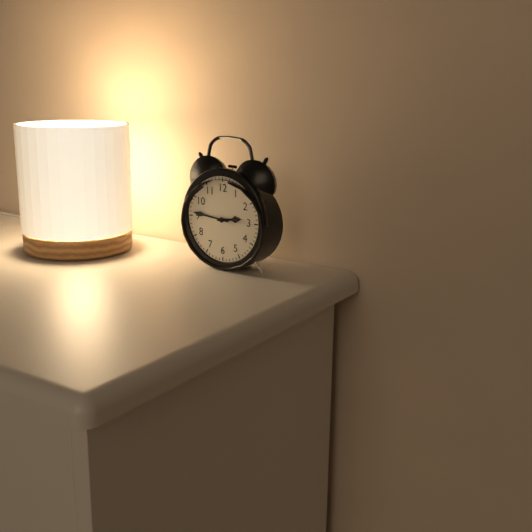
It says h=2 m=46
